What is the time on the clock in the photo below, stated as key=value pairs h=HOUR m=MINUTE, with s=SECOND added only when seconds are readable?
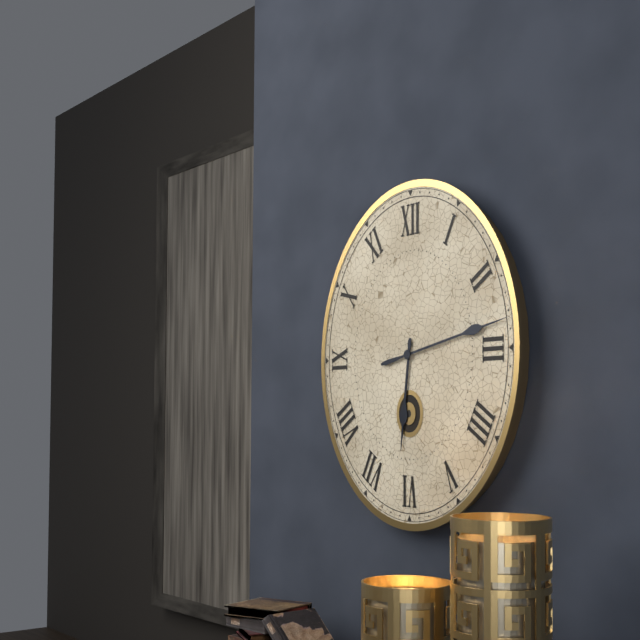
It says h=6 m=13
